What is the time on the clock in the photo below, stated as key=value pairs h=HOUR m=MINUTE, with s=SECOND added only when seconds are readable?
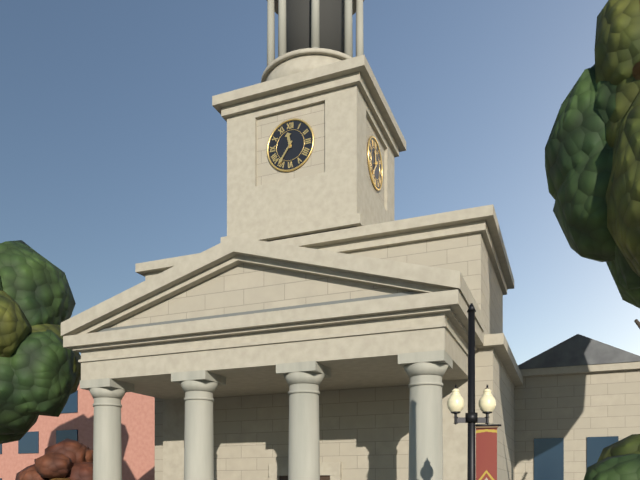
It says h=11 m=36
